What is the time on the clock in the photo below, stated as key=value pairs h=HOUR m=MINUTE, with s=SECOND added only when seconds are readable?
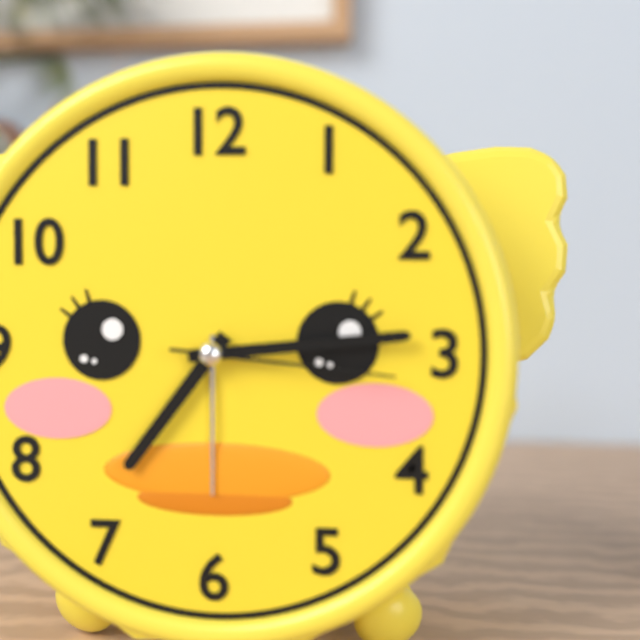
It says h=7 m=14 s=16
